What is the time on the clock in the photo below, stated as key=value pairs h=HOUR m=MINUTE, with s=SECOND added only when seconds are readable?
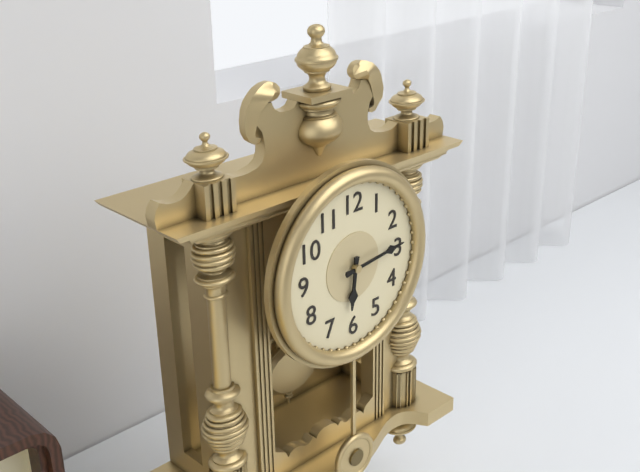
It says h=6 m=14
